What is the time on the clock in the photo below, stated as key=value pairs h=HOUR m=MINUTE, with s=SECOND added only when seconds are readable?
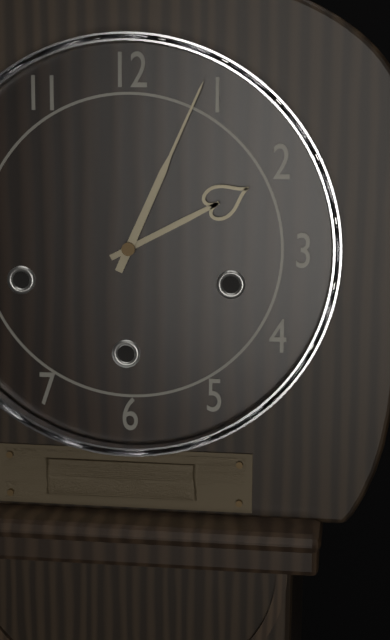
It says h=2 m=4
